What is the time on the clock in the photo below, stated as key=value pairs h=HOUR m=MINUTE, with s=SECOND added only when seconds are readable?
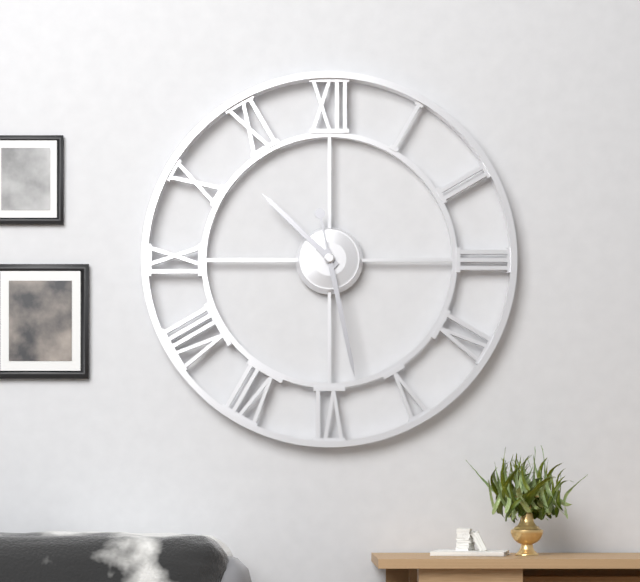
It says h=10 m=28
